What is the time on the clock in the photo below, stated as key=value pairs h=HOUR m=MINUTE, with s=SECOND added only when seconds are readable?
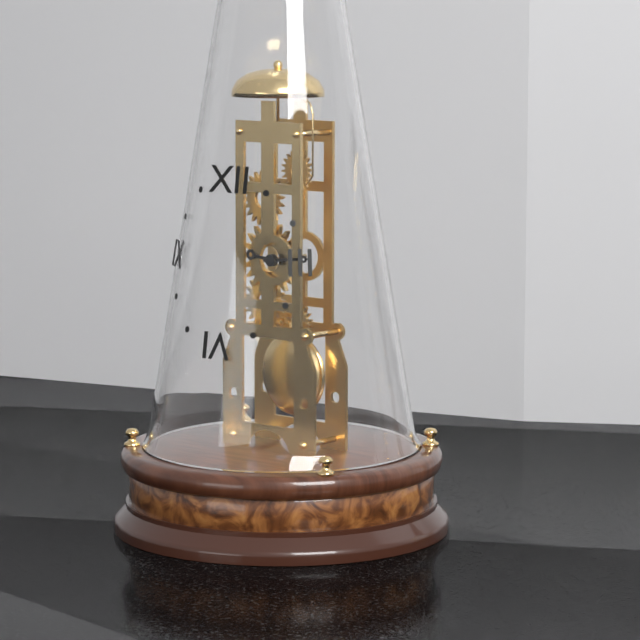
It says h=9 m=14
